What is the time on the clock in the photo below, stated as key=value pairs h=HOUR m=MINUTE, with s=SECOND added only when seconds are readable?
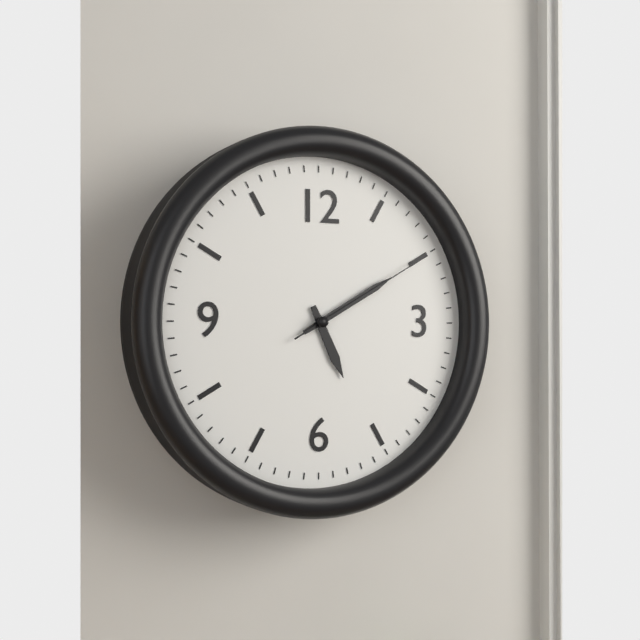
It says h=5 m=10 s=10
